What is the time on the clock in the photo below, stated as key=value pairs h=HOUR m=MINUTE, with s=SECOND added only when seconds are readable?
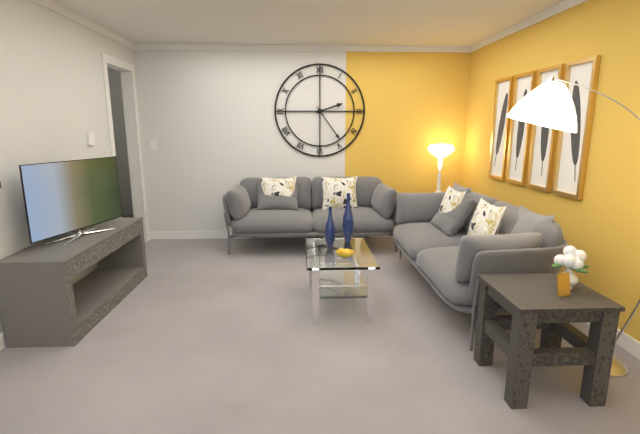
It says h=2 m=24
